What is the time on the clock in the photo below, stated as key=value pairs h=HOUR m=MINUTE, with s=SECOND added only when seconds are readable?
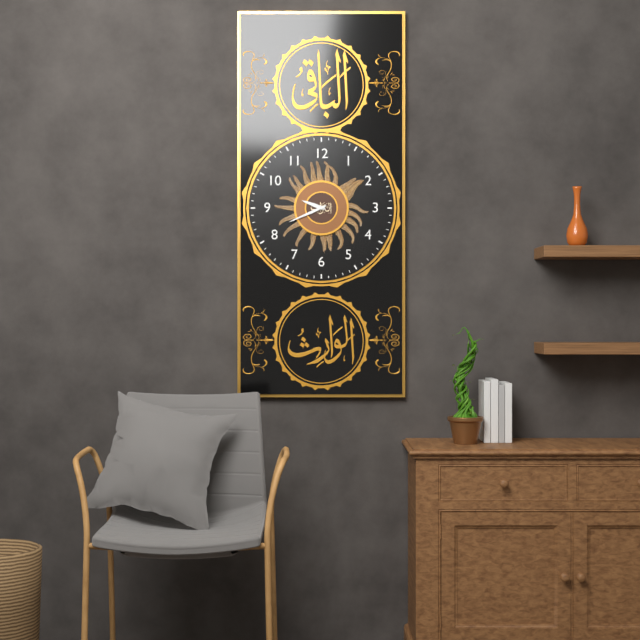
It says h=9 m=41
